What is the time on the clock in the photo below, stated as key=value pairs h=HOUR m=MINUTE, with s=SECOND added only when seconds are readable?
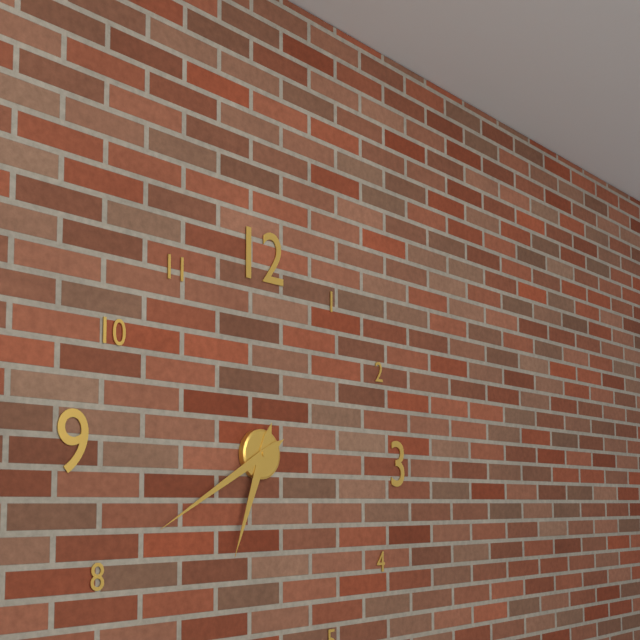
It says h=6 m=40
